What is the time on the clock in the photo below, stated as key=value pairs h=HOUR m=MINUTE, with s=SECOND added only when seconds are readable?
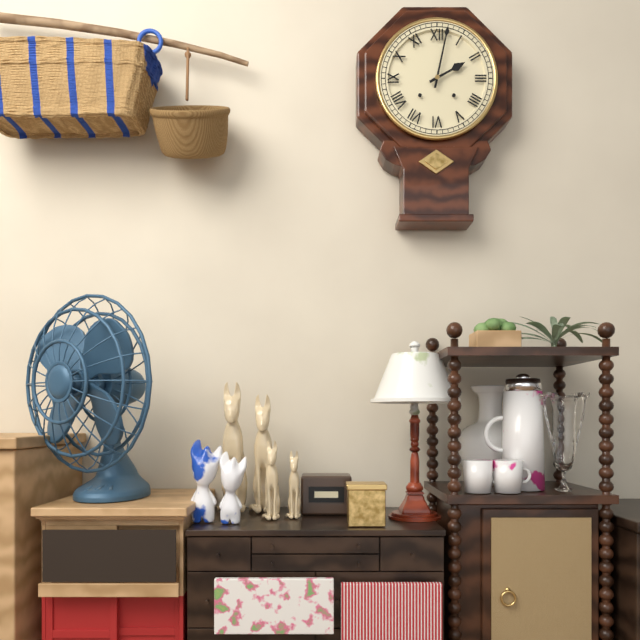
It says h=2 m=2
